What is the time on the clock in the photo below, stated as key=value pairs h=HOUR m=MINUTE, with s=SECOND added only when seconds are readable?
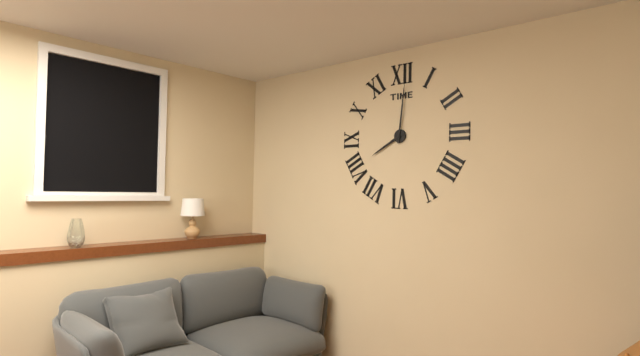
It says h=8 m=1
